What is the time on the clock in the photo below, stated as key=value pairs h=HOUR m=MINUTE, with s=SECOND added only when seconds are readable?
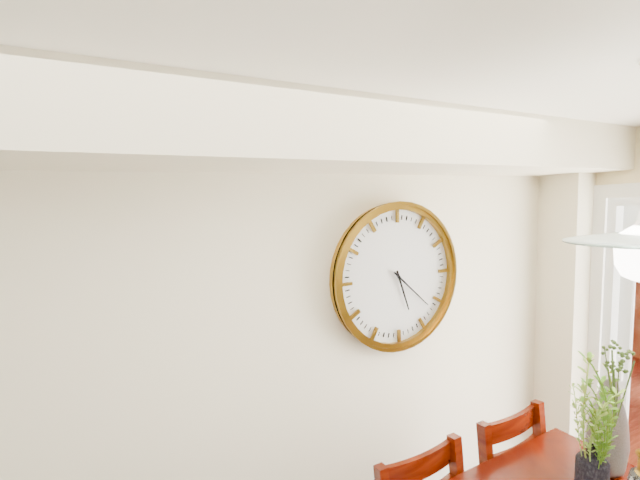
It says h=5 m=22
